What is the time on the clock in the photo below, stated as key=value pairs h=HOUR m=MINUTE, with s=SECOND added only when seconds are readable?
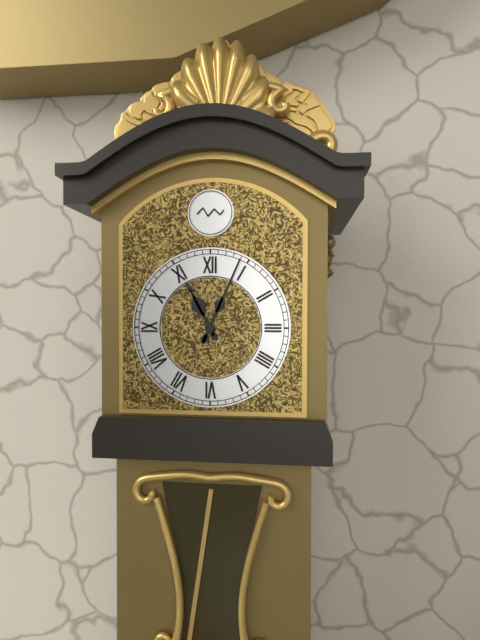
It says h=11 m=4
